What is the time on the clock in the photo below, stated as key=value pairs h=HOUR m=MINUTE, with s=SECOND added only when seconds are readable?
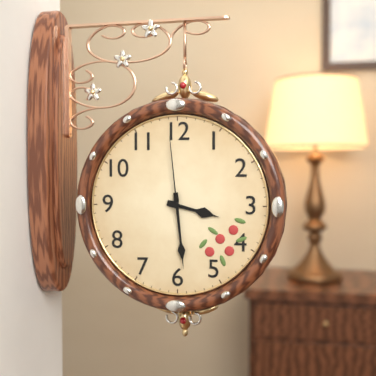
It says h=3 m=29 s=59
